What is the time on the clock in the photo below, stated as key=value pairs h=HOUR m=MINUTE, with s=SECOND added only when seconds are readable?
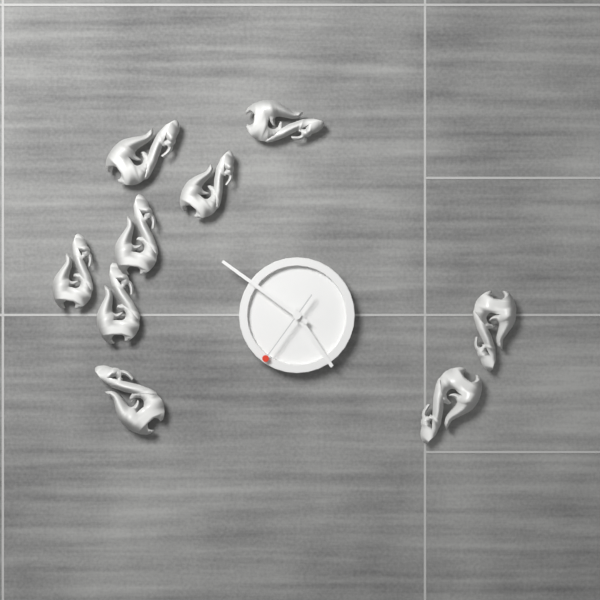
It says h=4 m=51 s=36
